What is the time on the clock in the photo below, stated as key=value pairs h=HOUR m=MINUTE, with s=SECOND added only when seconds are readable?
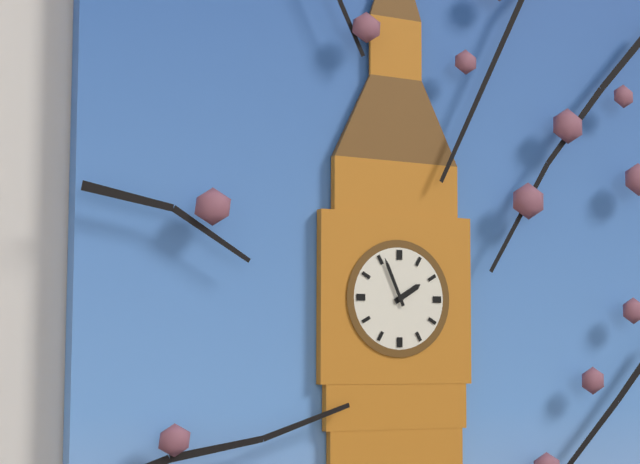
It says h=1 m=56
